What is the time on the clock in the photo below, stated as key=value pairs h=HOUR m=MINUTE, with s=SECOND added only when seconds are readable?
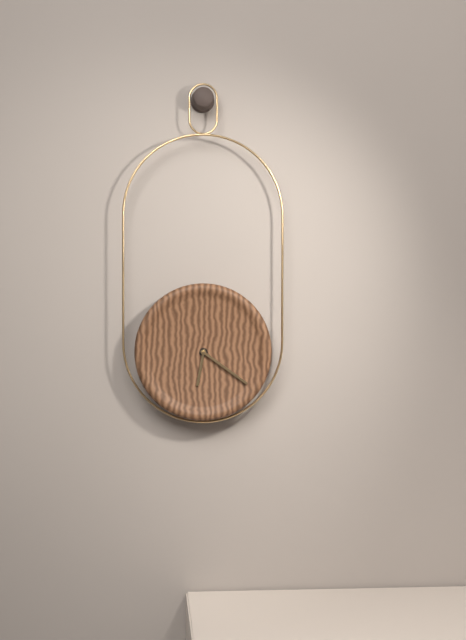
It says h=6 m=21
